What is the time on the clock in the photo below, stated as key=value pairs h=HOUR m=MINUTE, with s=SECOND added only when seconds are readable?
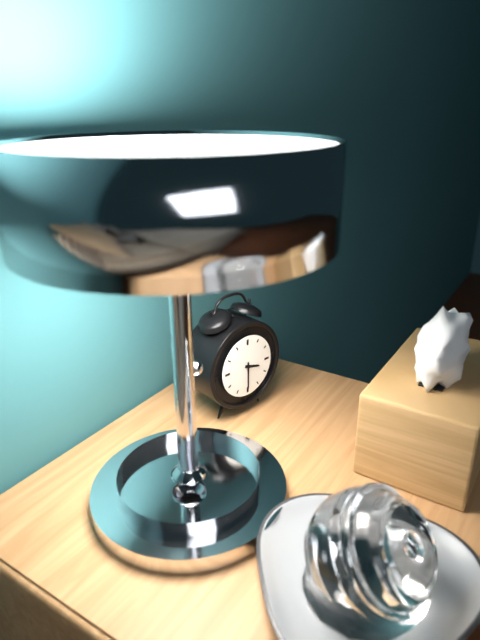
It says h=3 m=30
